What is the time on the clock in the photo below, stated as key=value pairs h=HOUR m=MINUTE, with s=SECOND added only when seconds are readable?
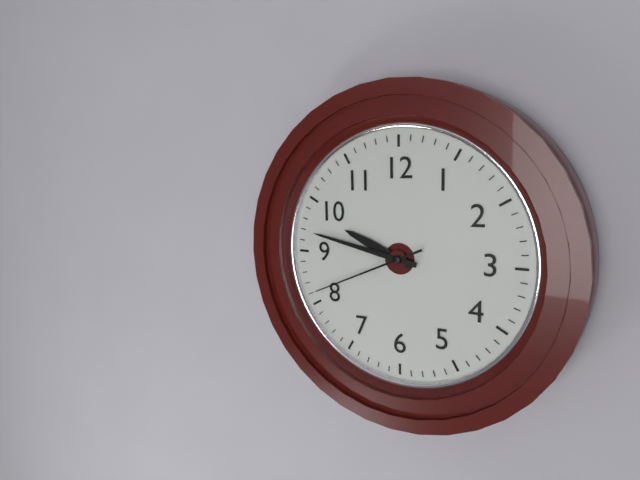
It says h=9 m=47 s=41
